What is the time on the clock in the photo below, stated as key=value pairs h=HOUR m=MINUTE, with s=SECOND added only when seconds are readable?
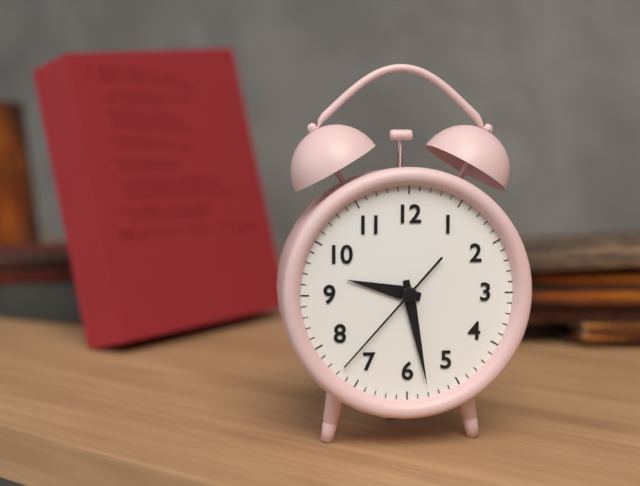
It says h=9 m=28 s=37
